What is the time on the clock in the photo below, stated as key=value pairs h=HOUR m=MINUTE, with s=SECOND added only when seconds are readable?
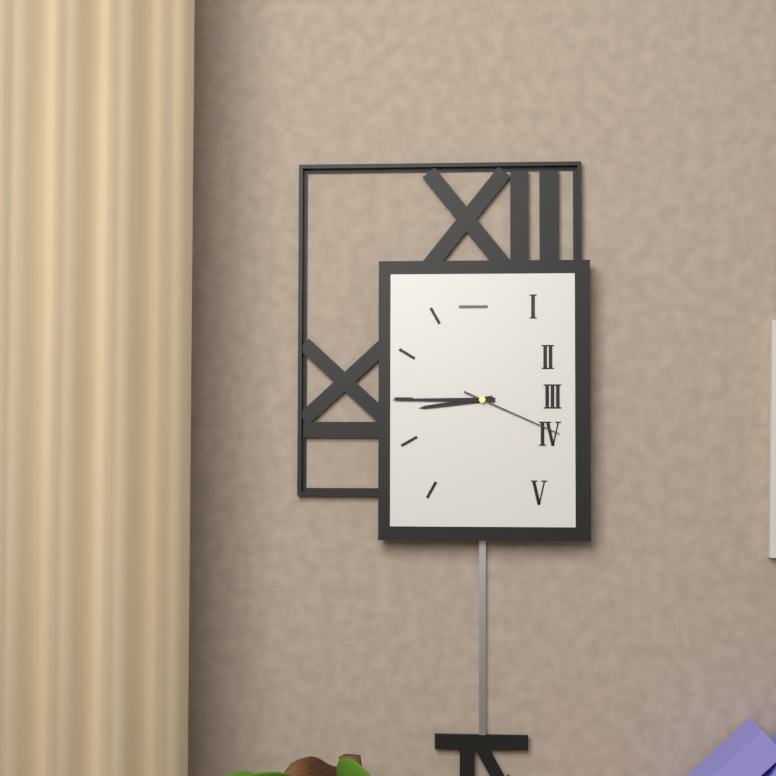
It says h=8 m=45 s=19
